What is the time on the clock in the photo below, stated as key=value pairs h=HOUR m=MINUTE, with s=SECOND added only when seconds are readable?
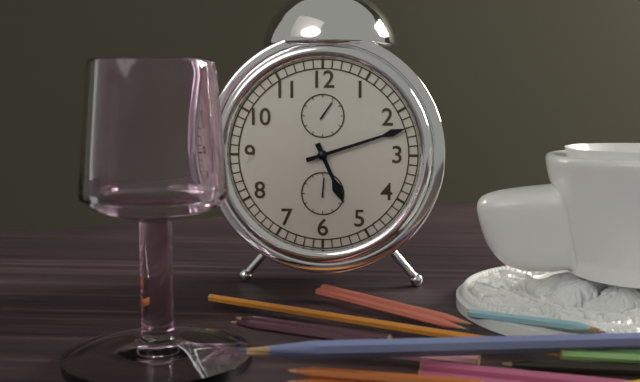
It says h=5 m=12
